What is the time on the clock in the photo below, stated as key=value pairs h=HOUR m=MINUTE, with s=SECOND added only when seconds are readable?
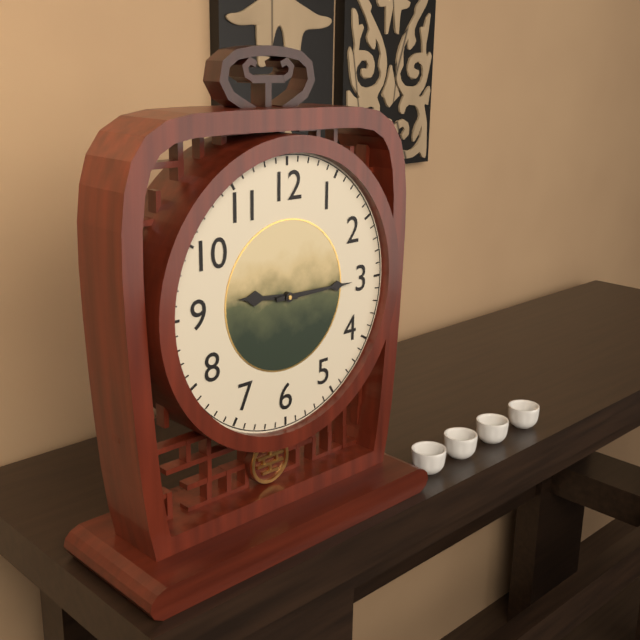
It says h=9 m=15
